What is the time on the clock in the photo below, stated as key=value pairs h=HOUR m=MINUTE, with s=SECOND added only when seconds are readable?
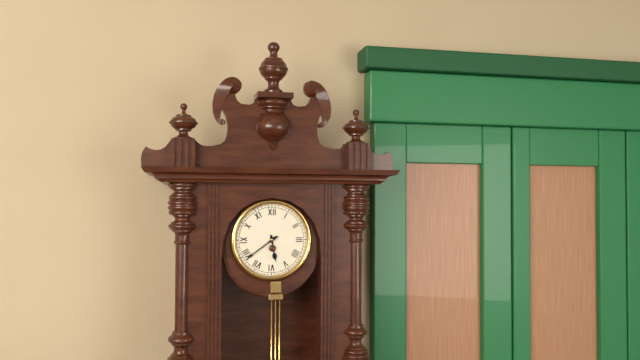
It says h=5 m=39
